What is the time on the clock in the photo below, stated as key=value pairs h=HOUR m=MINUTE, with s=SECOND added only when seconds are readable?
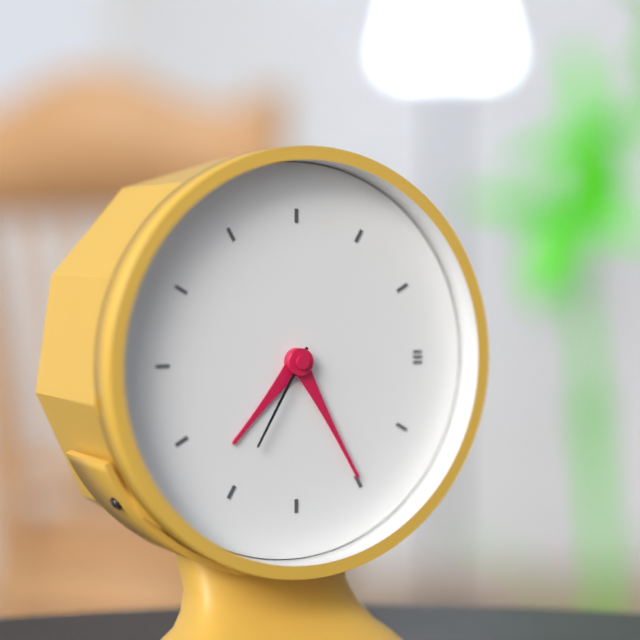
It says h=7 m=25 s=35
